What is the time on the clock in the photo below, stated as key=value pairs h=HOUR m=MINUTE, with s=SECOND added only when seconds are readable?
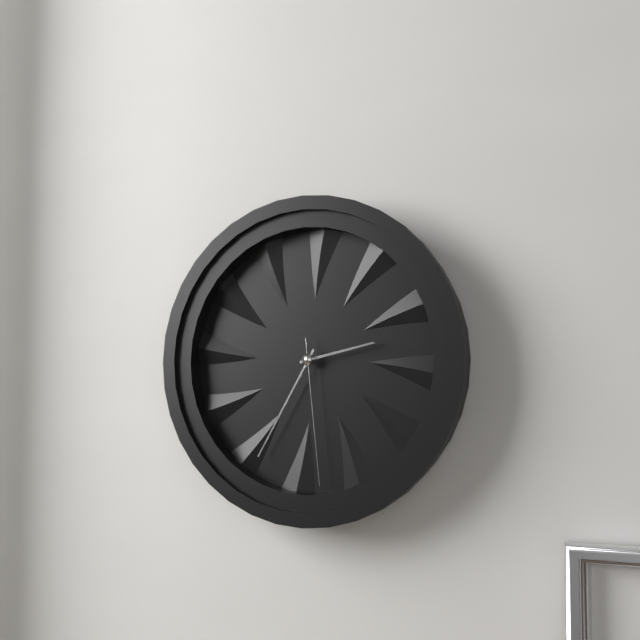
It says h=2 m=35 s=29
